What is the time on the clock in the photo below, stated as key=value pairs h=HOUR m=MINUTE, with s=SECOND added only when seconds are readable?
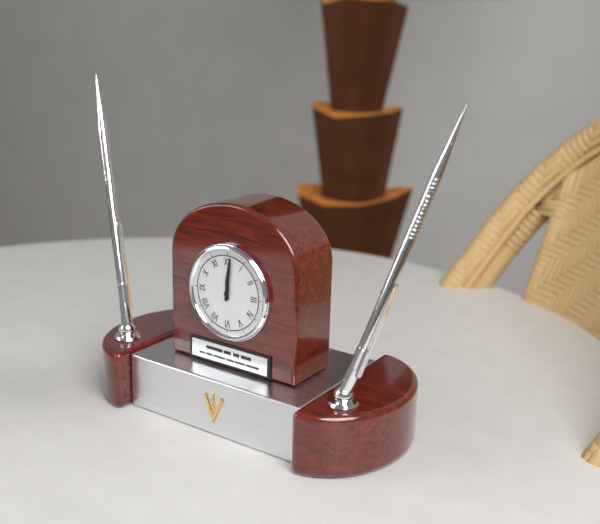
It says h=12 m=1
